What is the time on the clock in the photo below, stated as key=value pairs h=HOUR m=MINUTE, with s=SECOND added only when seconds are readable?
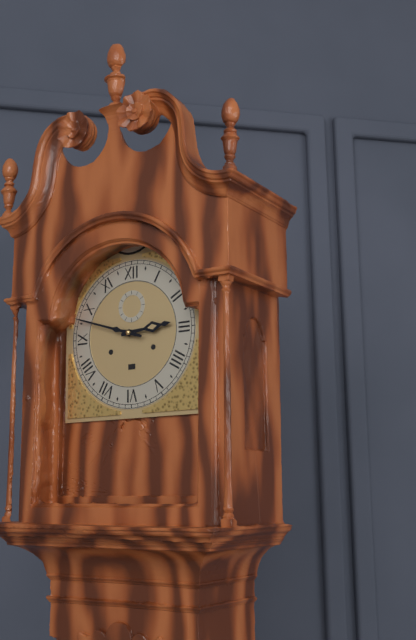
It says h=2 m=48
